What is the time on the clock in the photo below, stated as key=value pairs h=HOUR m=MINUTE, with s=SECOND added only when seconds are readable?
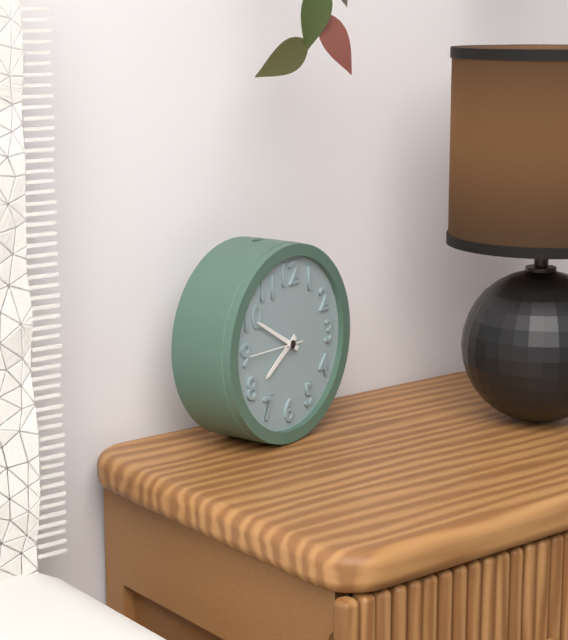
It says h=7 m=50 s=45
